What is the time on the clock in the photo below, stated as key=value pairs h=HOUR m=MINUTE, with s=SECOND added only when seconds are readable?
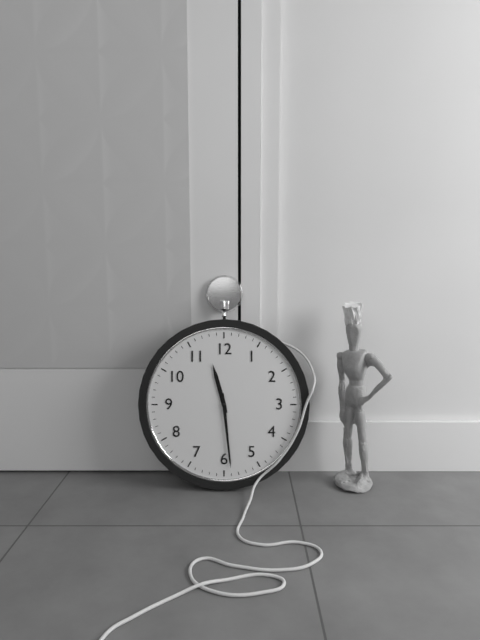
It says h=11 m=29
